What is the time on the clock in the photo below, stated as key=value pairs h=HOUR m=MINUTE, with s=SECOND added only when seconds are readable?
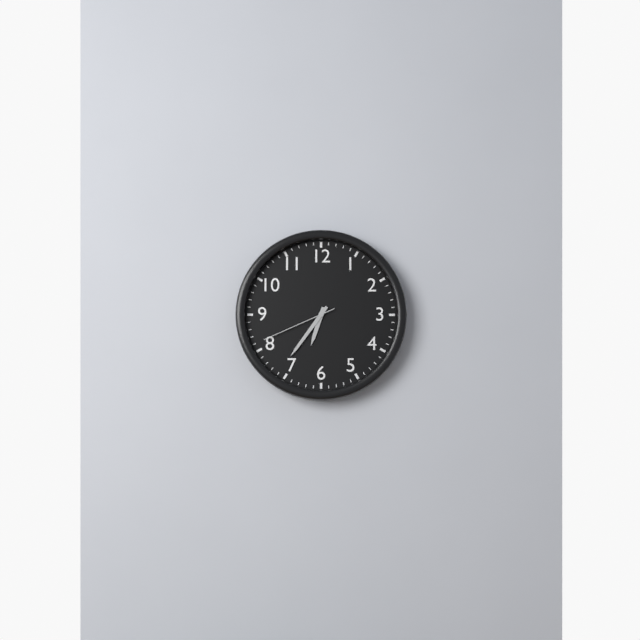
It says h=6 m=36 s=41
